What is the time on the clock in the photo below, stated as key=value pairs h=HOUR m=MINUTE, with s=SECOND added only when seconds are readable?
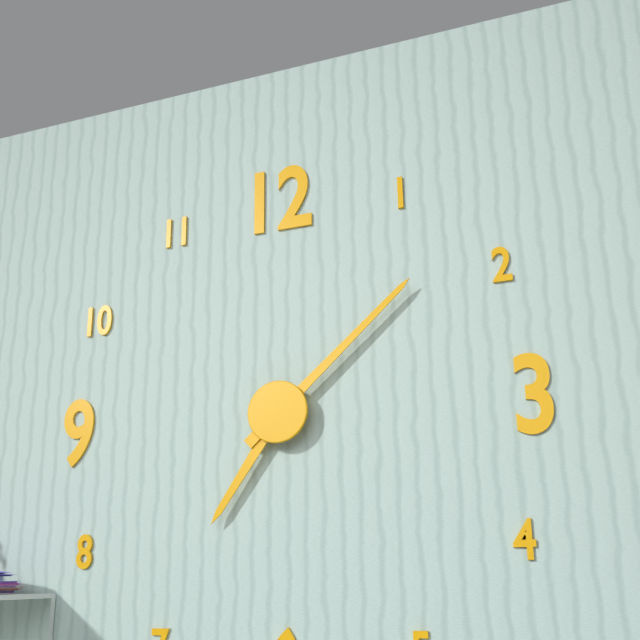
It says h=7 m=8
